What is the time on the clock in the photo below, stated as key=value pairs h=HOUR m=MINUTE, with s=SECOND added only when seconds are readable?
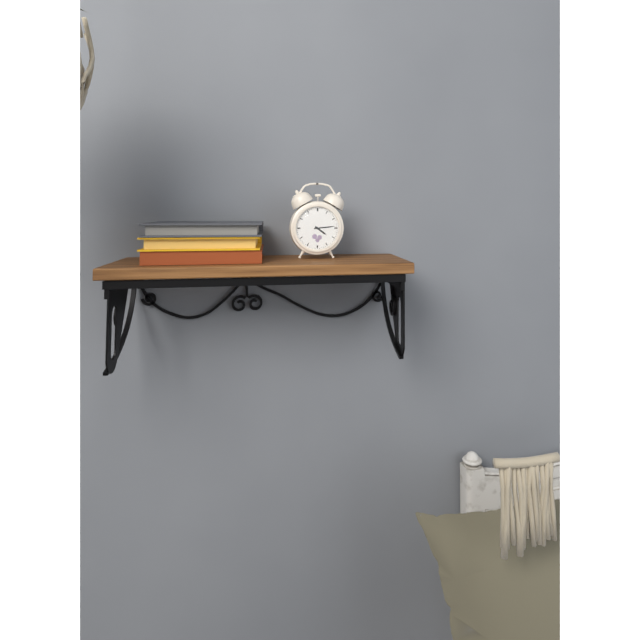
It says h=4 m=14
